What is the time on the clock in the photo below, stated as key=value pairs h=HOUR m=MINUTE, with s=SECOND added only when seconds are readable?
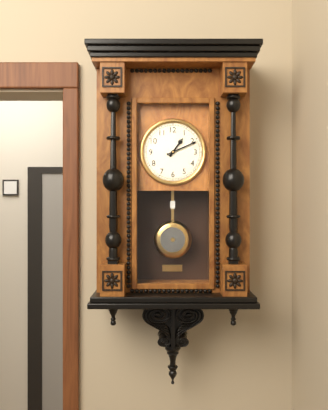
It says h=1 m=11
